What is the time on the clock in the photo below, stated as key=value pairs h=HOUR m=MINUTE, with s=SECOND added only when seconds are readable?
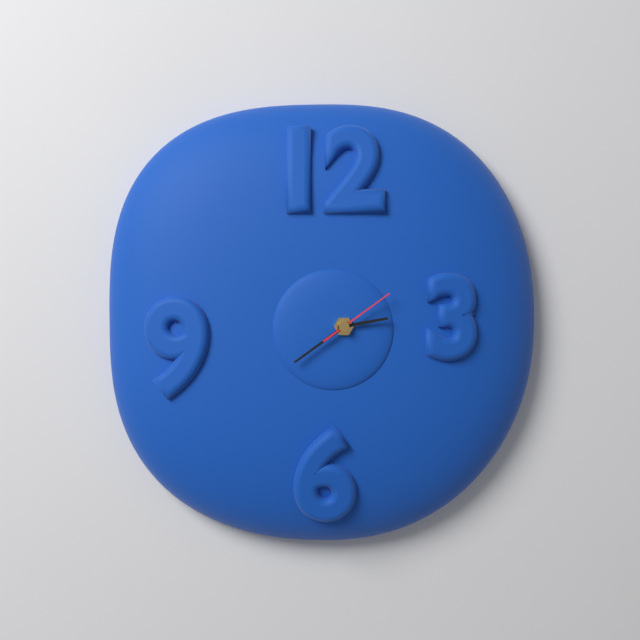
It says h=2 m=39 s=9
